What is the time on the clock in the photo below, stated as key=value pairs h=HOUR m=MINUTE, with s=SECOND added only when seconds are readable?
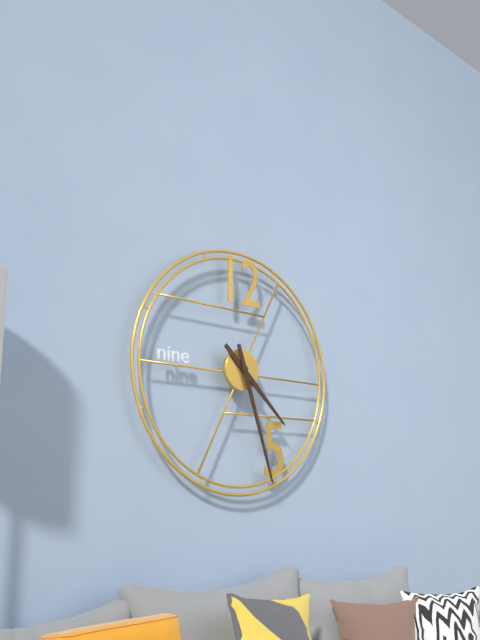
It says h=4 m=27
